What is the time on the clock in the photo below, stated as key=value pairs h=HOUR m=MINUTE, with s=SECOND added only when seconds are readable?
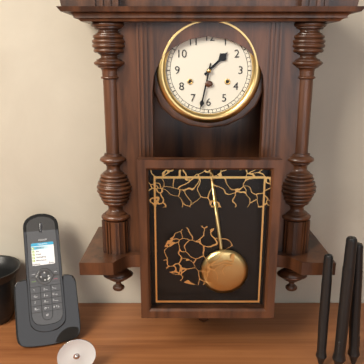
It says h=1 m=32
